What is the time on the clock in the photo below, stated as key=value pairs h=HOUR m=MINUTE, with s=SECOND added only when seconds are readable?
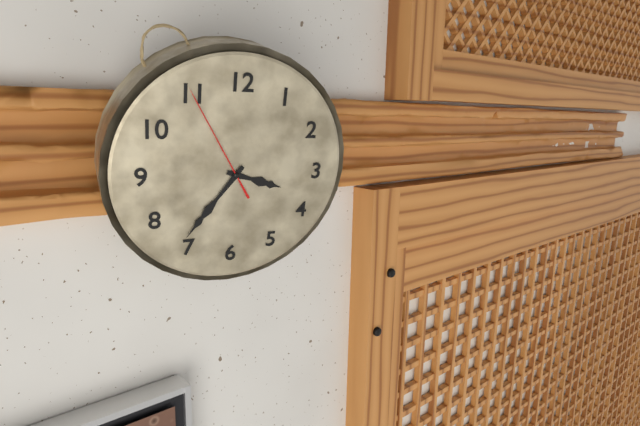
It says h=3 m=36 s=55
